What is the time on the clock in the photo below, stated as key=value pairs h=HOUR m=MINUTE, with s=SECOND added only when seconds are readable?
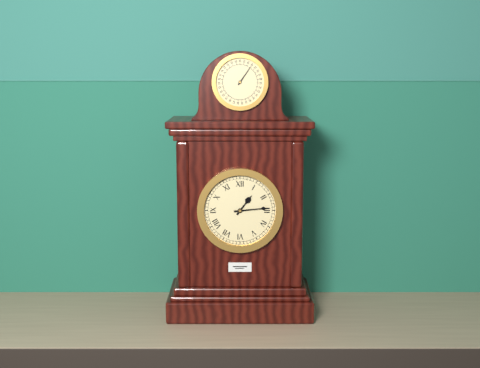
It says h=1 m=14
